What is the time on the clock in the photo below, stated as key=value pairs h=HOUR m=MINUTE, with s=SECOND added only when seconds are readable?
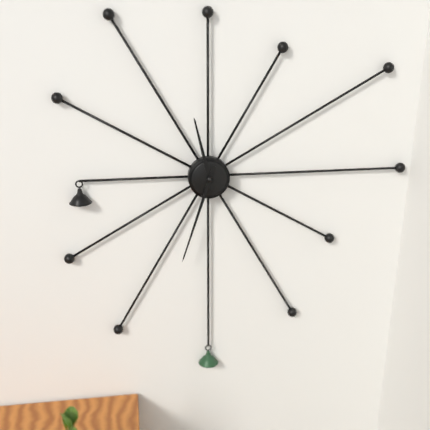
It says h=11 m=33
